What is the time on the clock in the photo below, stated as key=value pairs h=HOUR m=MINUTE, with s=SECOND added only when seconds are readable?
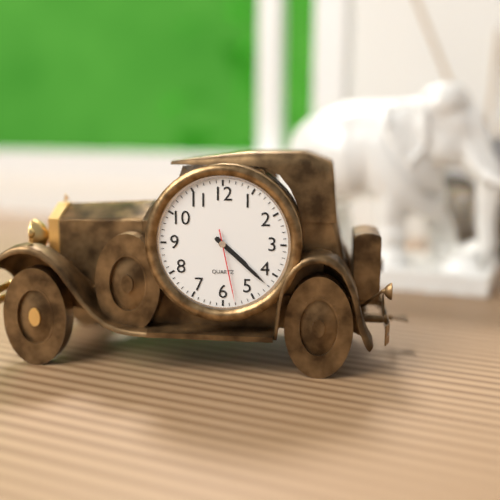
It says h=4 m=22 s=28
